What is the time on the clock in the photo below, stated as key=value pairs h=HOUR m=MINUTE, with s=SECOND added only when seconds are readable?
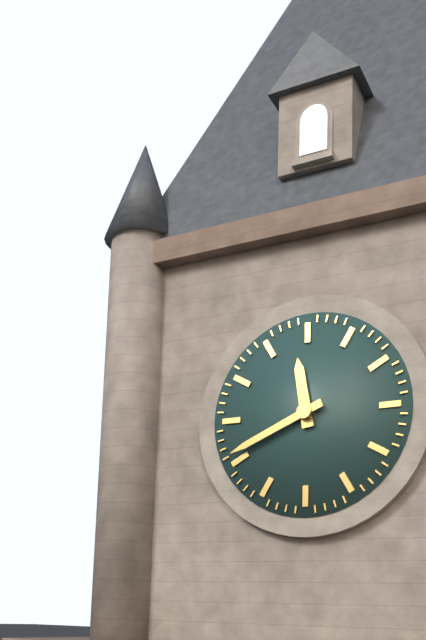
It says h=11 m=41
